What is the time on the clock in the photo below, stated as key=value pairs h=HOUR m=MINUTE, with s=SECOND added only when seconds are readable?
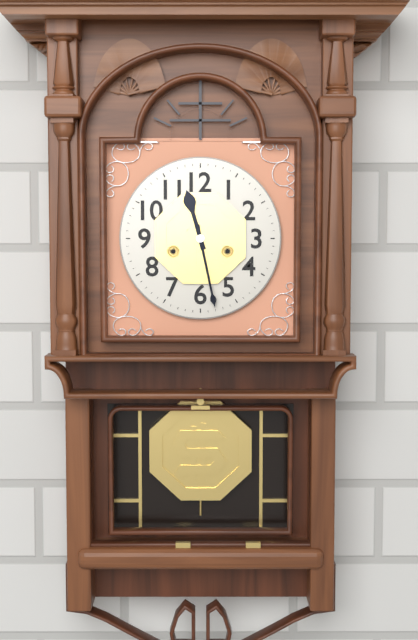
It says h=11 m=28
